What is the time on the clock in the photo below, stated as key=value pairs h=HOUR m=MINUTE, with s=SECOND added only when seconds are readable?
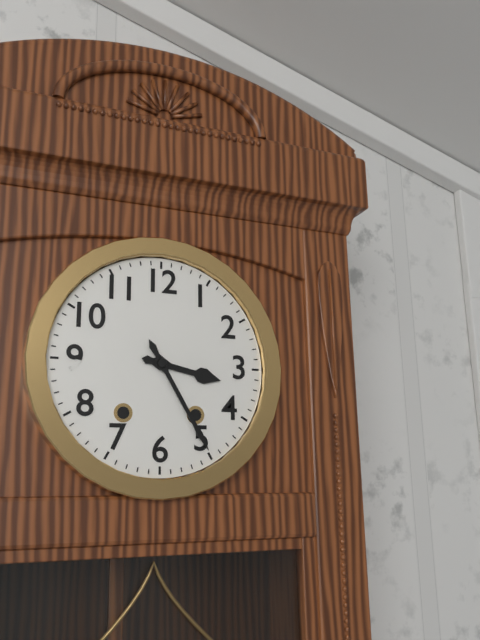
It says h=3 m=25
